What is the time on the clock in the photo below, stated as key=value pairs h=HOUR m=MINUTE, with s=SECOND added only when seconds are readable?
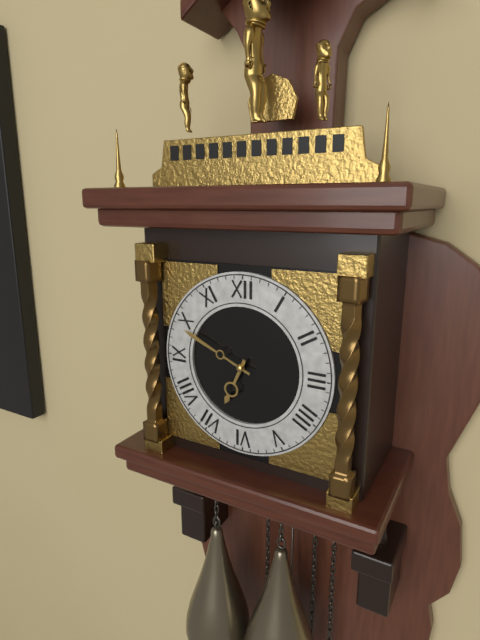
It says h=6 m=49
